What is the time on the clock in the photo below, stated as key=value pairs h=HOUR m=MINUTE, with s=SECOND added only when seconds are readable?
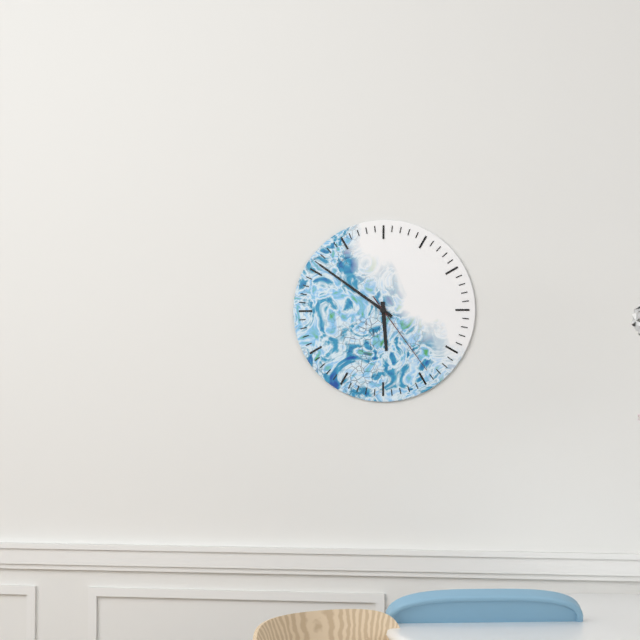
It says h=5 m=51 s=24
